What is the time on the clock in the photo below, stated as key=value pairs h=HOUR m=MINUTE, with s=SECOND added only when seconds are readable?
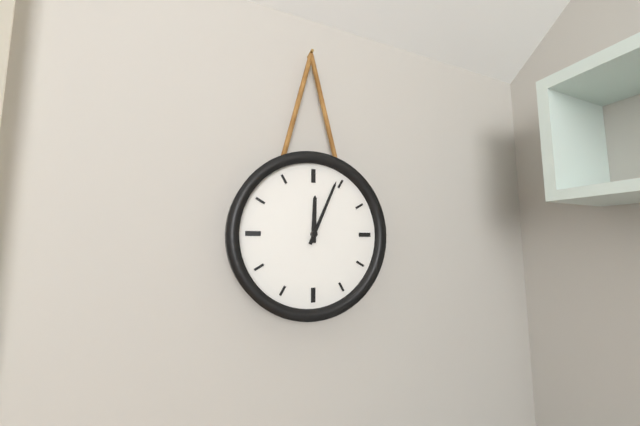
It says h=12 m=4
